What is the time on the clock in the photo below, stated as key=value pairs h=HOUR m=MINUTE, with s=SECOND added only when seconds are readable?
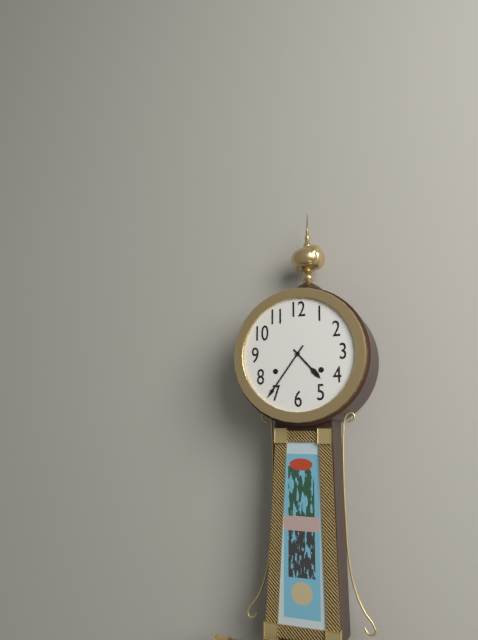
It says h=4 m=36
